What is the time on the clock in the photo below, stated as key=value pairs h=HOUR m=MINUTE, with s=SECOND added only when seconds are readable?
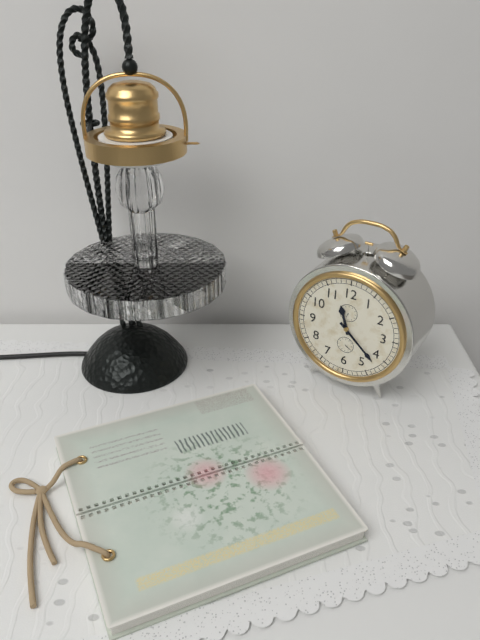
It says h=11 m=22
